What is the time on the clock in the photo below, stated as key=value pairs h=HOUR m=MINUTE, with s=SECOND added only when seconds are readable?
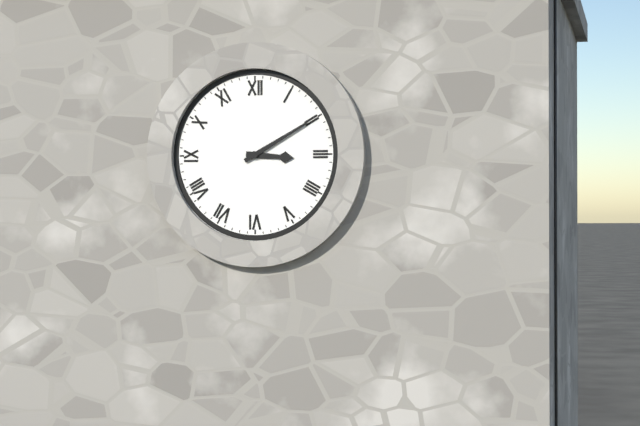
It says h=3 m=10
